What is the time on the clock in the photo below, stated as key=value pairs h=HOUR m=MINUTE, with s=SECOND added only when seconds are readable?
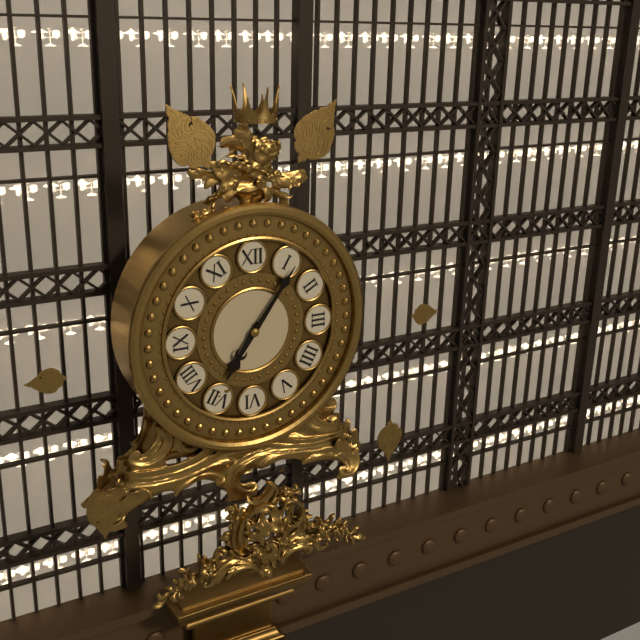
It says h=7 m=6
